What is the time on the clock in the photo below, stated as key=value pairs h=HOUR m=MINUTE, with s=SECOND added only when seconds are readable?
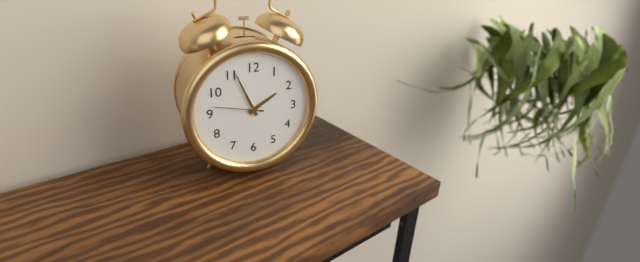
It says h=1 m=56 s=47
